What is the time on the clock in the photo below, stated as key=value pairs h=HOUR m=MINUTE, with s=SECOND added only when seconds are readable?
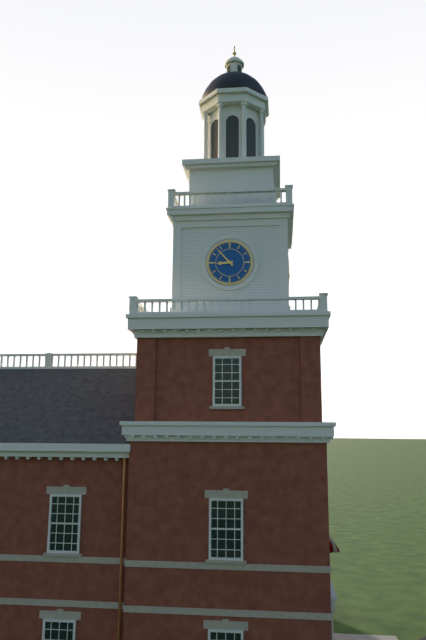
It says h=8 m=53
